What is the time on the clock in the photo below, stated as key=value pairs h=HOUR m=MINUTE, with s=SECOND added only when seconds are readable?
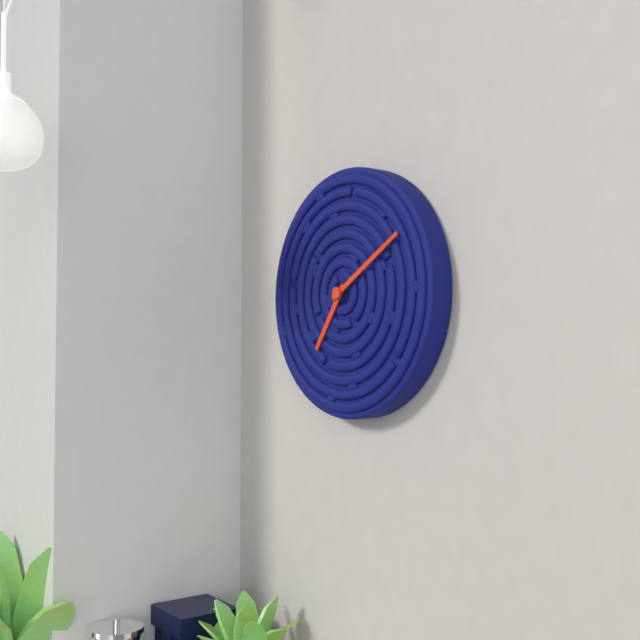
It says h=7 m=10
